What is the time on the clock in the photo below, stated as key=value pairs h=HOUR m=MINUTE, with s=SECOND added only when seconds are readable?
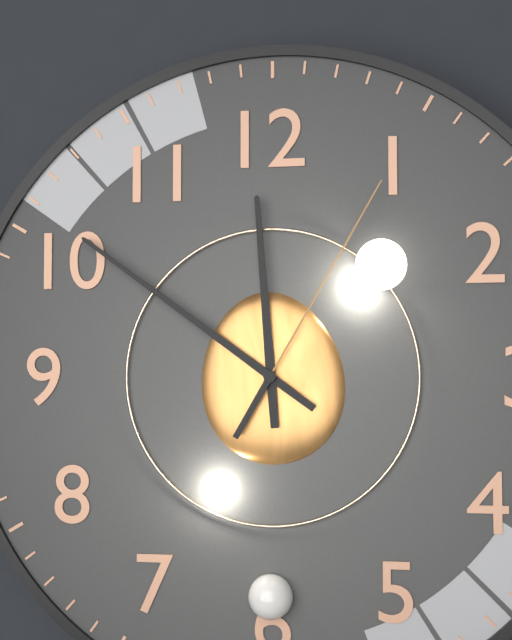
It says h=11 m=51 s=5
